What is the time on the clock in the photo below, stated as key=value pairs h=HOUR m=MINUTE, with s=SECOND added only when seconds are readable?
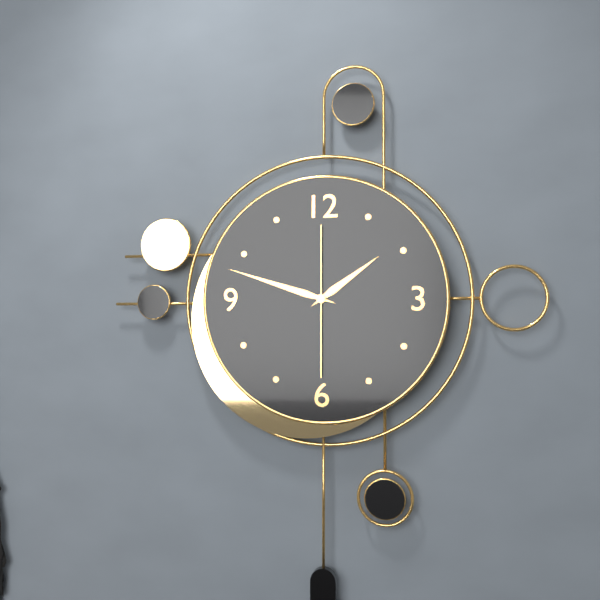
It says h=1 m=48 s=30
